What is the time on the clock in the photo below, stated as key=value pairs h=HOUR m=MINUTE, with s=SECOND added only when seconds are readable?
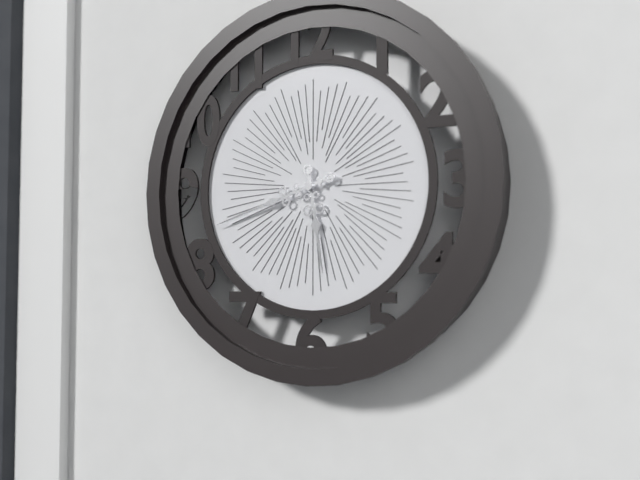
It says h=5 m=42
